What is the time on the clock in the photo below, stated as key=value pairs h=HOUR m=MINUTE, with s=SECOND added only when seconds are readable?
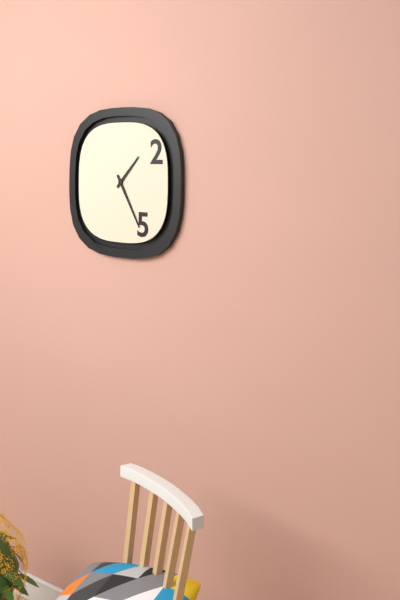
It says h=1 m=25
